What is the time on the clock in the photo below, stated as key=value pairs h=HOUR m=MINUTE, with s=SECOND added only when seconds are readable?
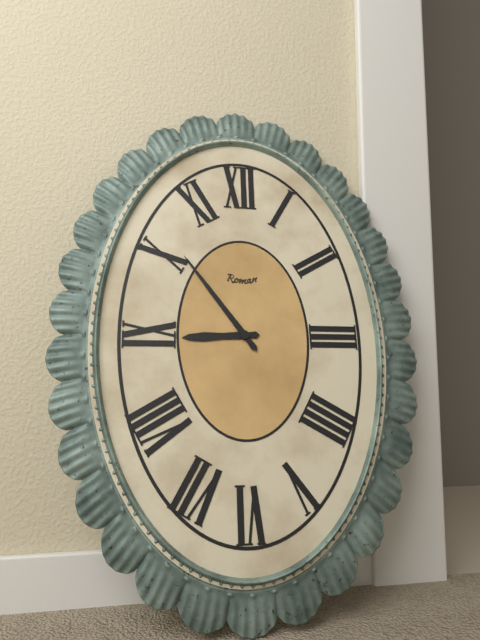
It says h=8 m=54
